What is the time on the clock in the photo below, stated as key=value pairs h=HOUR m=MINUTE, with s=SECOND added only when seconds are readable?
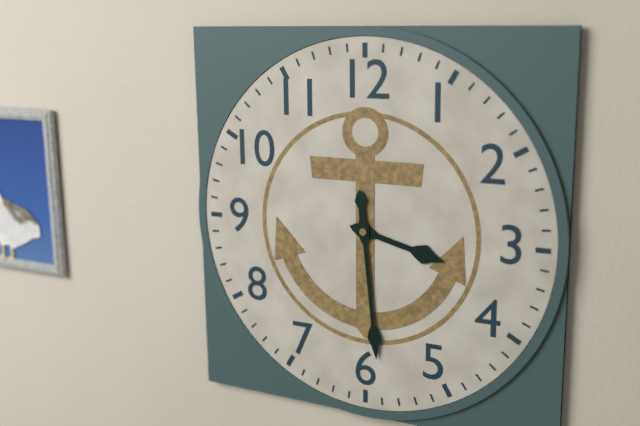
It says h=3 m=29
